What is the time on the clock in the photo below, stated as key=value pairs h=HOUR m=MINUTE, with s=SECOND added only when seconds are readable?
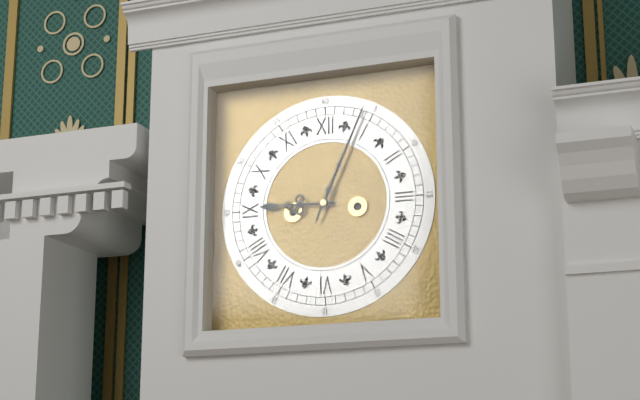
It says h=9 m=4
